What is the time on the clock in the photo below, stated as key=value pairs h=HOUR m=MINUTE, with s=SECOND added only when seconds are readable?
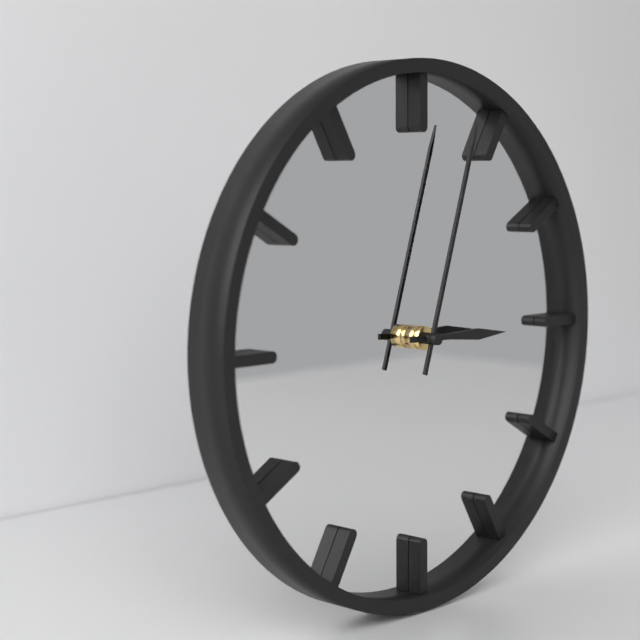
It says h=3 m=3
